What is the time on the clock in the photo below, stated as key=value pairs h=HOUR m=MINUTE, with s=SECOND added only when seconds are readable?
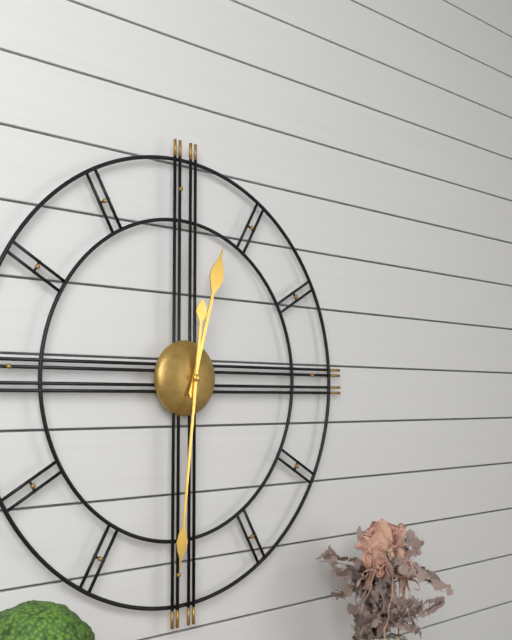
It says h=12 m=31
